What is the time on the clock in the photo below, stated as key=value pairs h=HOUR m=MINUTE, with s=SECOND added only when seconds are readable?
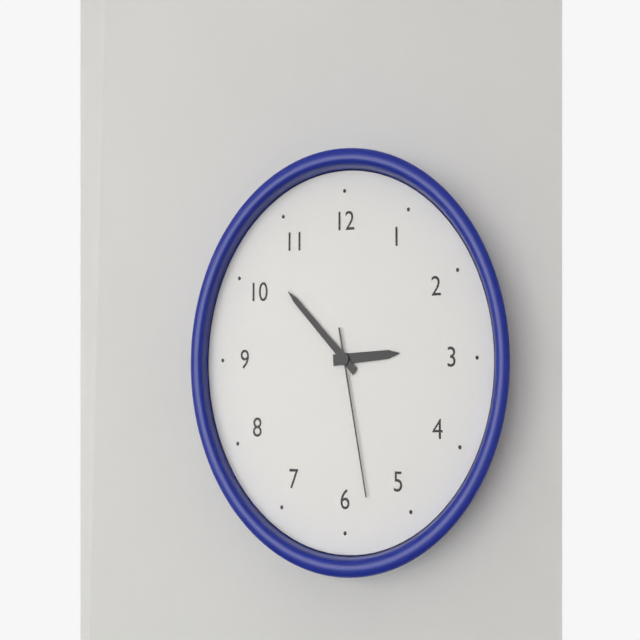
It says h=2 m=52 s=28
